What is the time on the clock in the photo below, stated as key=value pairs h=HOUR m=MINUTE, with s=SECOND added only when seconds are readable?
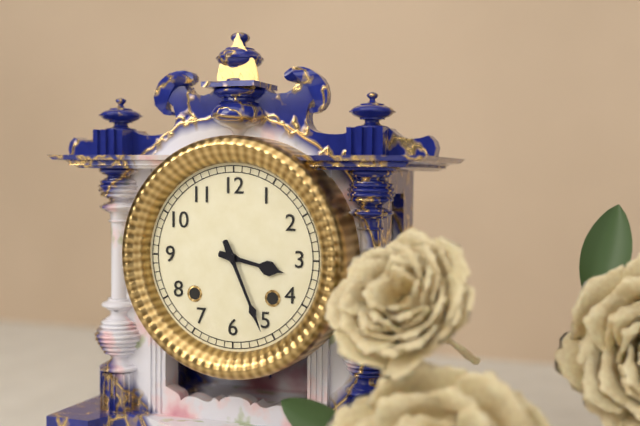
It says h=3 m=26
